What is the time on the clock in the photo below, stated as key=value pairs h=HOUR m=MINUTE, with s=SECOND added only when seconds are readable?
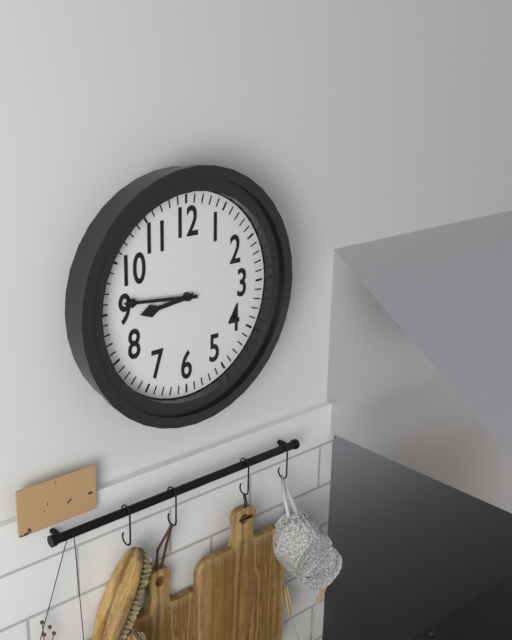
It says h=8 m=46
